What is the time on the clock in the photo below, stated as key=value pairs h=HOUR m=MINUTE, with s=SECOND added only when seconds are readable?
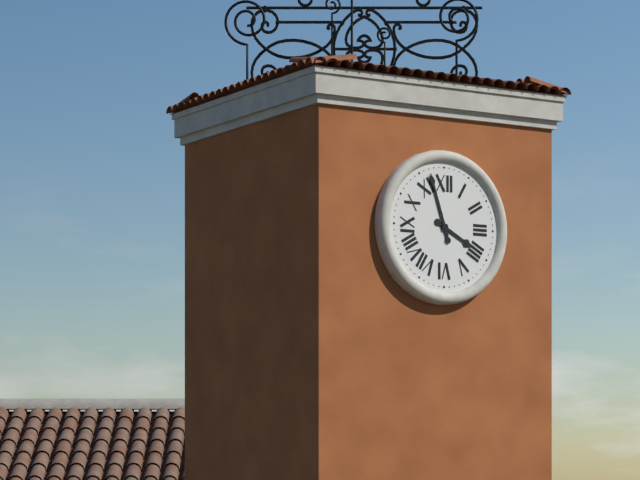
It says h=3 m=57
